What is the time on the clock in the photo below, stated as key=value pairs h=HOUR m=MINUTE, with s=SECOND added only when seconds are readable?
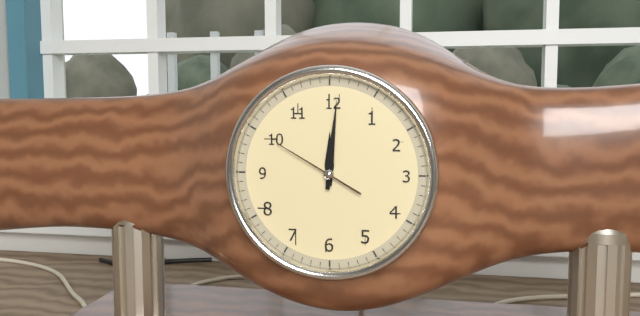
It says h=12 m=1 s=50
